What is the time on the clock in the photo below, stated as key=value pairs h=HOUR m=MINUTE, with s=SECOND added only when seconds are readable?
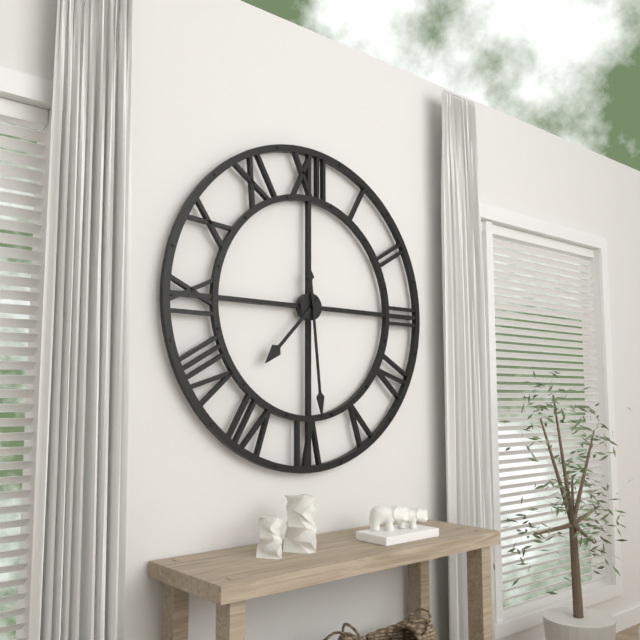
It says h=7 m=29
